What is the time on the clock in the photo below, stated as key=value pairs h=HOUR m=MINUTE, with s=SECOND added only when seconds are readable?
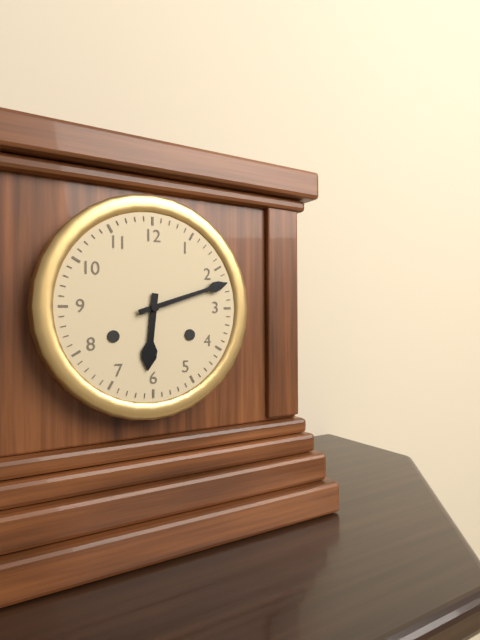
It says h=6 m=12
